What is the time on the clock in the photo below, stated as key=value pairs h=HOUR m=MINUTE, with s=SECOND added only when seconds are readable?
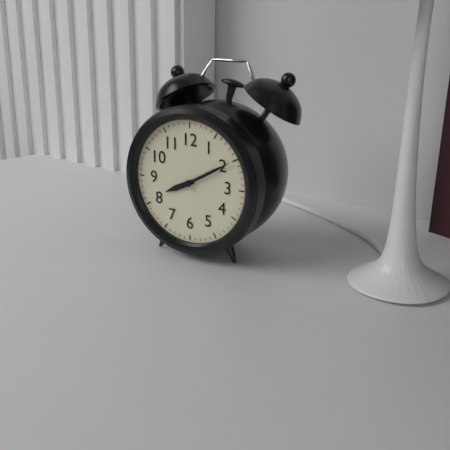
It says h=8 m=10
